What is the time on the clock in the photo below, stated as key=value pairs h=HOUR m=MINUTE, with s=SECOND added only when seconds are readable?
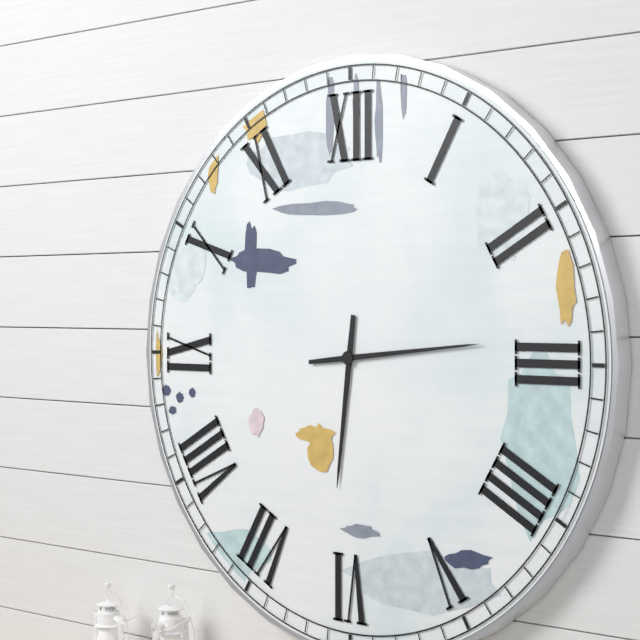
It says h=6 m=14
